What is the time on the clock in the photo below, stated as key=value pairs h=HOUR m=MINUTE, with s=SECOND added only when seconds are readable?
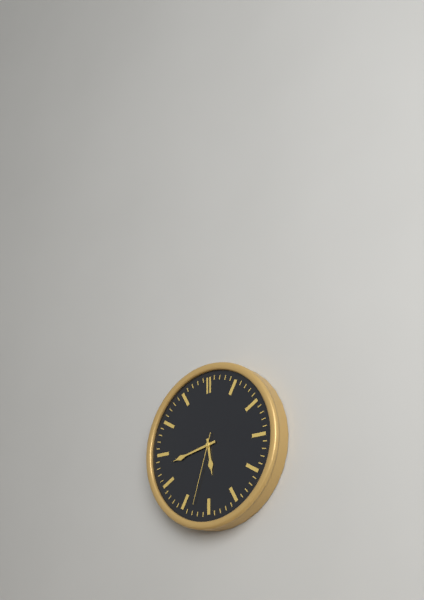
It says h=5 m=43 s=33
